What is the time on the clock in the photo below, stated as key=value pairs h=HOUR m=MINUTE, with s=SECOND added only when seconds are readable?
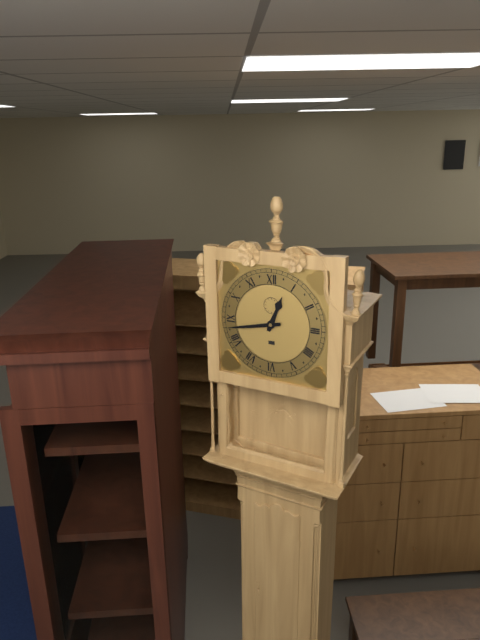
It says h=12 m=43
